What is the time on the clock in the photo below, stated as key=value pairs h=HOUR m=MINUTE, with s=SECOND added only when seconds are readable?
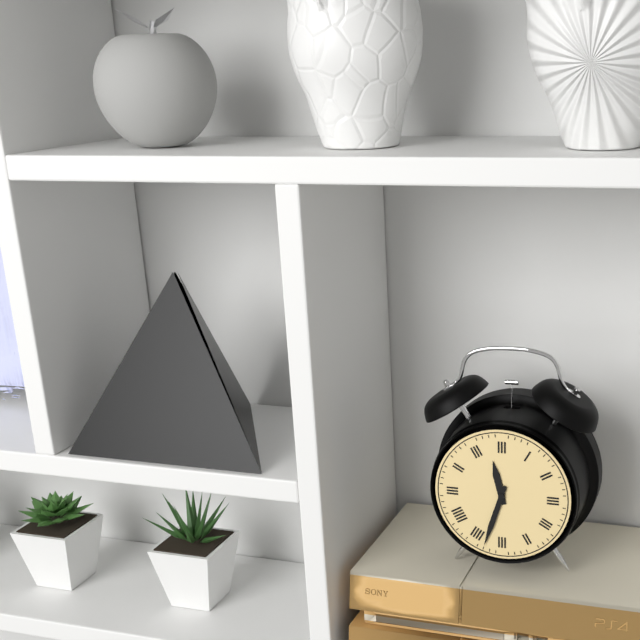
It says h=11 m=33
